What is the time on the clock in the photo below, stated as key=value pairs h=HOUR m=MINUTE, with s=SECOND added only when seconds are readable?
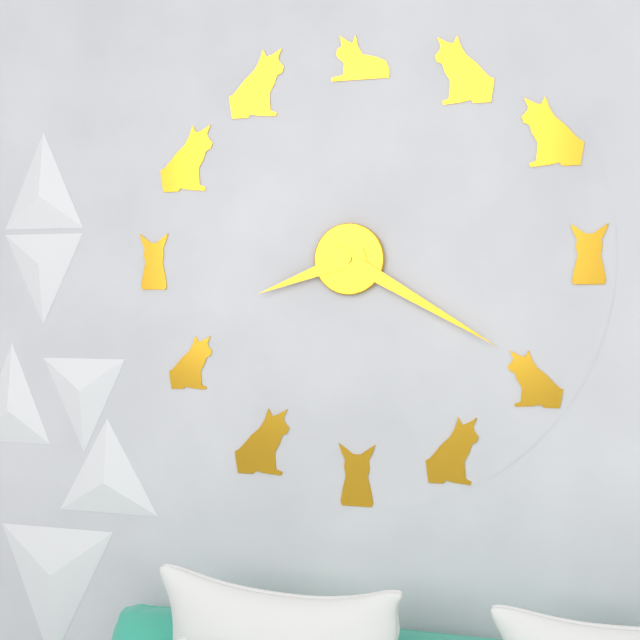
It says h=8 m=20
